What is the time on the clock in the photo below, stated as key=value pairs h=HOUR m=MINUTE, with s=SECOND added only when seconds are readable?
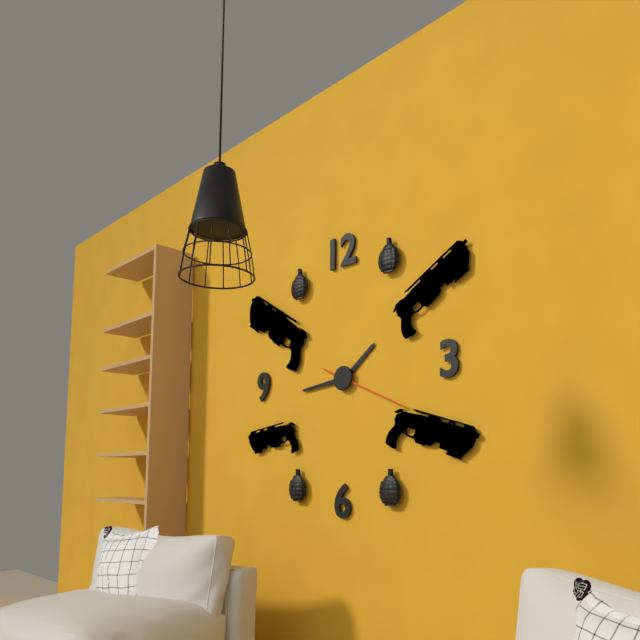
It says h=1 m=44 s=19
